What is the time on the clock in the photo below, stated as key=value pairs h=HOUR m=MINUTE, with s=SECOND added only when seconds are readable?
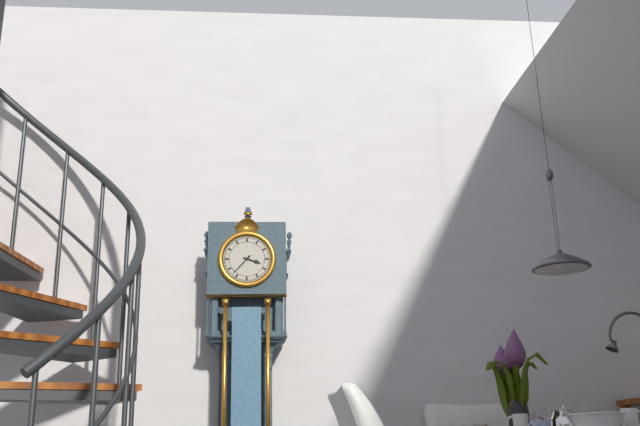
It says h=3 m=37
